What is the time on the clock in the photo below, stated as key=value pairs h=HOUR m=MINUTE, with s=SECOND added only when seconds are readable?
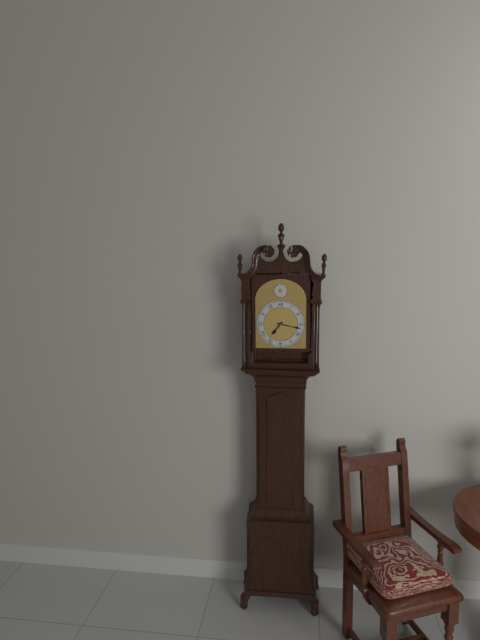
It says h=7 m=17
